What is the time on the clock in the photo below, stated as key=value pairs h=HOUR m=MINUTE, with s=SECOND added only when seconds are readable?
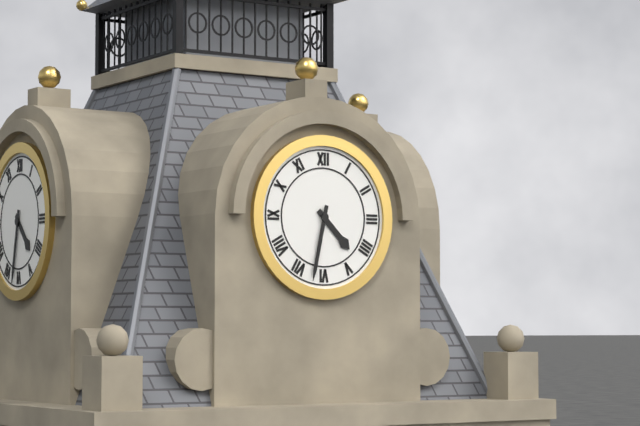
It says h=4 m=32
